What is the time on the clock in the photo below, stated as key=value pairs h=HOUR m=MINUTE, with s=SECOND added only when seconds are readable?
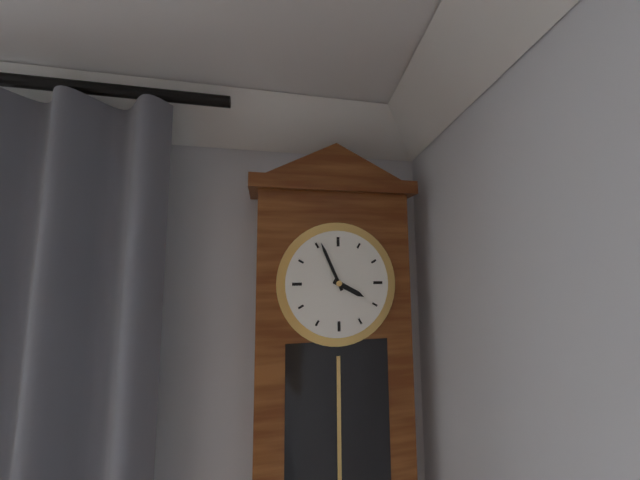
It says h=3 m=56
